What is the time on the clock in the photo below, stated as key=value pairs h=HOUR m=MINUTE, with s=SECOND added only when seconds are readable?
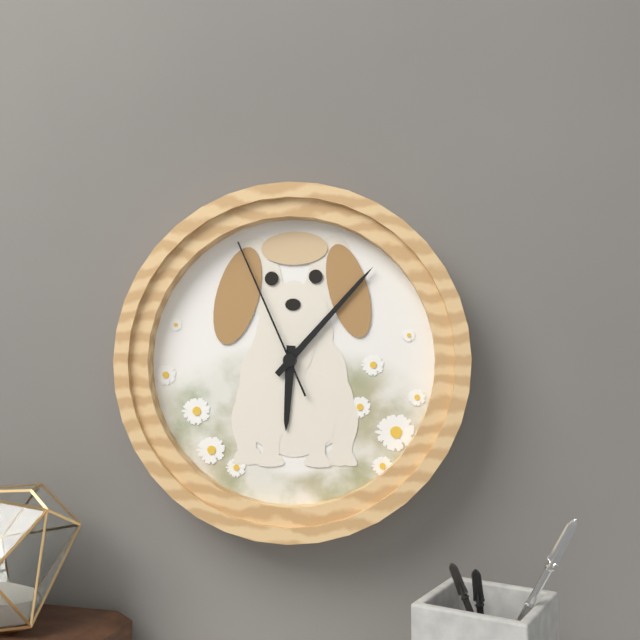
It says h=6 m=7 s=56
